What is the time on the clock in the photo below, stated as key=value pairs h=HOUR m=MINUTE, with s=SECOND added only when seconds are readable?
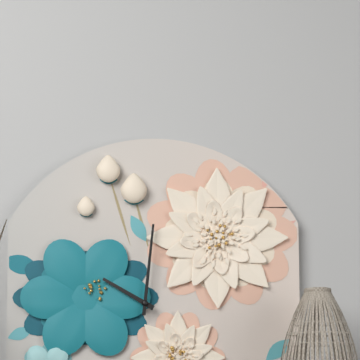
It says h=10 m=1
